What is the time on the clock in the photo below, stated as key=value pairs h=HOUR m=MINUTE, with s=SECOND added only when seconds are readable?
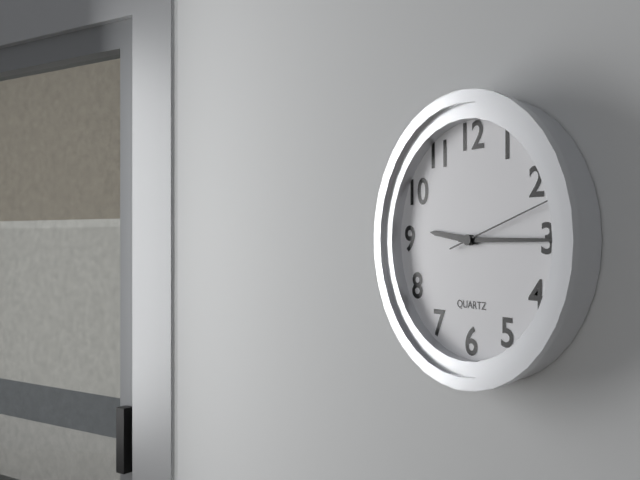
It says h=9 m=15 s=12
